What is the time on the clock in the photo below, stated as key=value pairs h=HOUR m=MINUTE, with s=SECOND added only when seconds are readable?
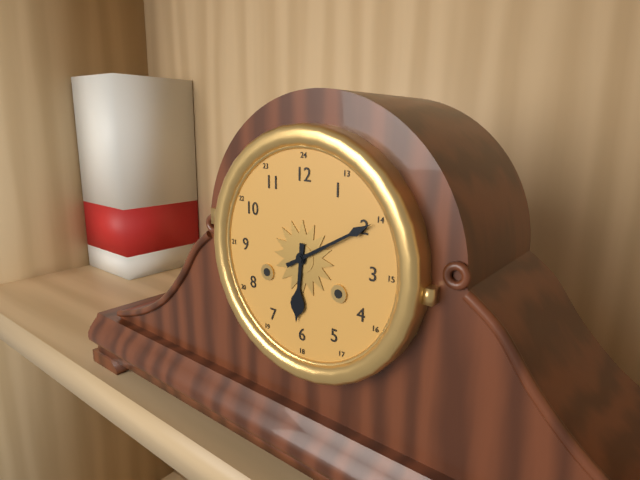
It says h=6 m=10
